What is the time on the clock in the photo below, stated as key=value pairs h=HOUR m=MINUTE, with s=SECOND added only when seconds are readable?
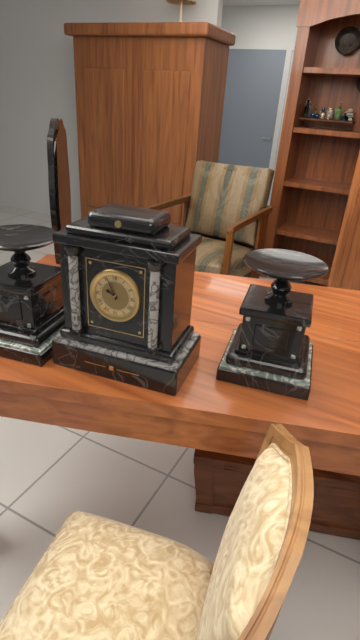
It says h=9 m=56
